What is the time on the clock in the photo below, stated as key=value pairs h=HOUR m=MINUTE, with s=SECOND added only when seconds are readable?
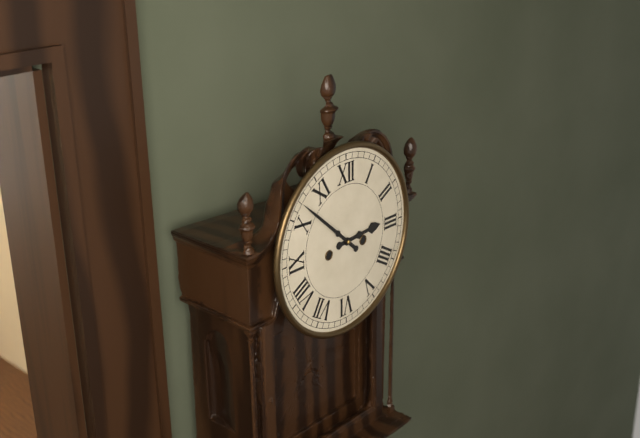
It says h=2 m=52
